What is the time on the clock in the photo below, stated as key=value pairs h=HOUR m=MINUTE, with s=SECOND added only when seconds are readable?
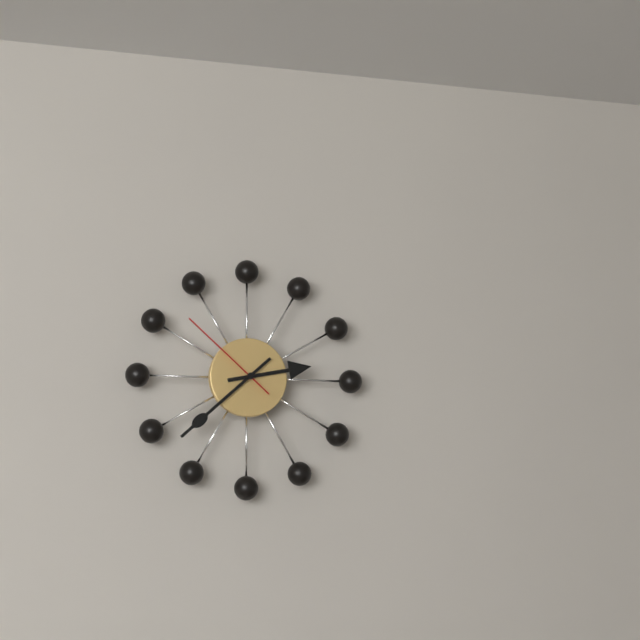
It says h=2 m=38 s=52
